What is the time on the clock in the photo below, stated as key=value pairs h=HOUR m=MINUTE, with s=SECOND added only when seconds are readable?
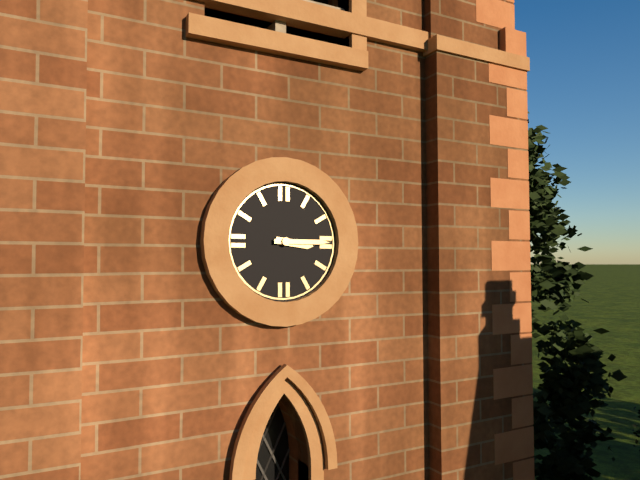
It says h=3 m=15
